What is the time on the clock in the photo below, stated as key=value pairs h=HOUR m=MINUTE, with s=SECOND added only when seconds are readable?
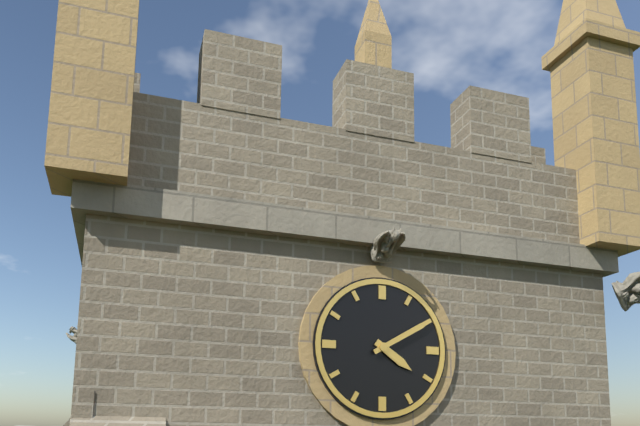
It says h=4 m=10
